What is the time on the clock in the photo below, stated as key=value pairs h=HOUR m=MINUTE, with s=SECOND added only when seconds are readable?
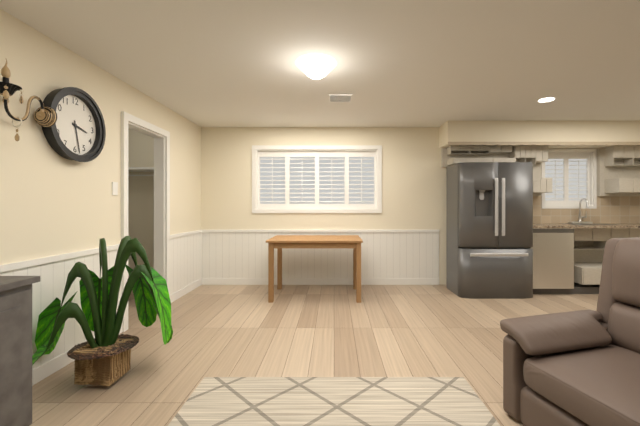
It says h=3 m=28
